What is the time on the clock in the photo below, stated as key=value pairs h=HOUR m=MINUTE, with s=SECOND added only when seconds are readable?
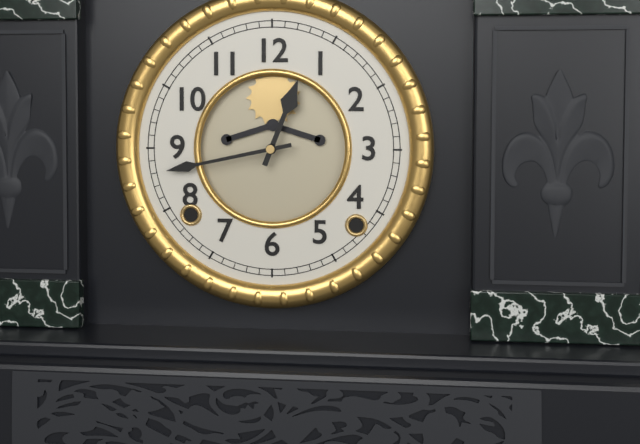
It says h=12 m=43
